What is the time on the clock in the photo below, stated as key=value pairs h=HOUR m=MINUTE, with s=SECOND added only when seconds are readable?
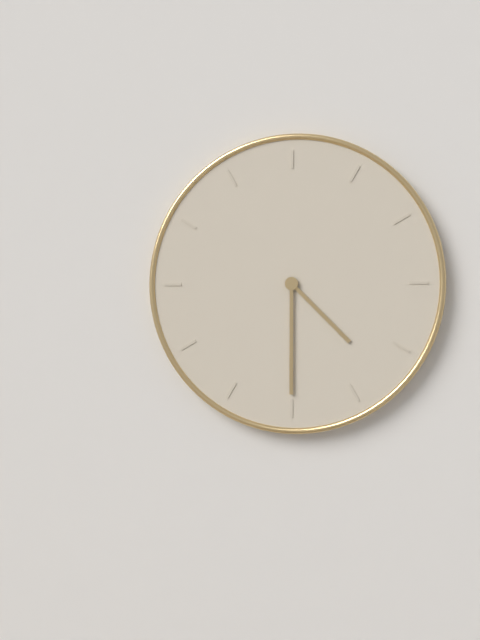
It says h=4 m=30
